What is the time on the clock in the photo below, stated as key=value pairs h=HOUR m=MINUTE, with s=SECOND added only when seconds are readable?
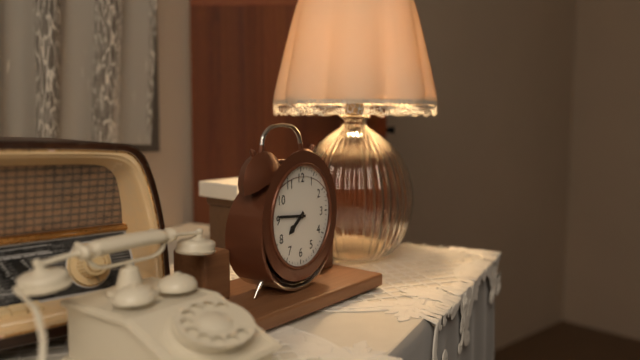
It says h=7 m=46
